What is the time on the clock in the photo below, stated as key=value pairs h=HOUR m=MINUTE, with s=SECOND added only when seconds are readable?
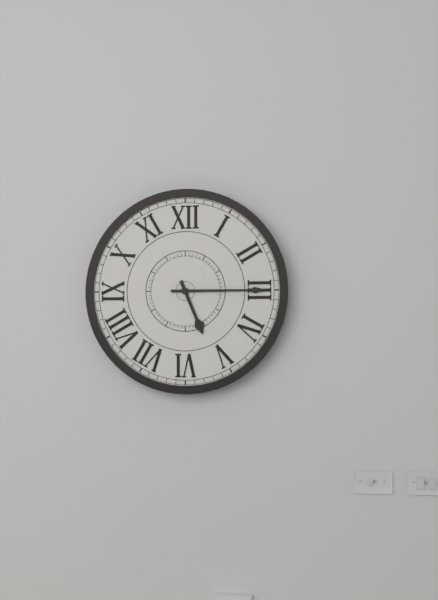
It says h=5 m=15
